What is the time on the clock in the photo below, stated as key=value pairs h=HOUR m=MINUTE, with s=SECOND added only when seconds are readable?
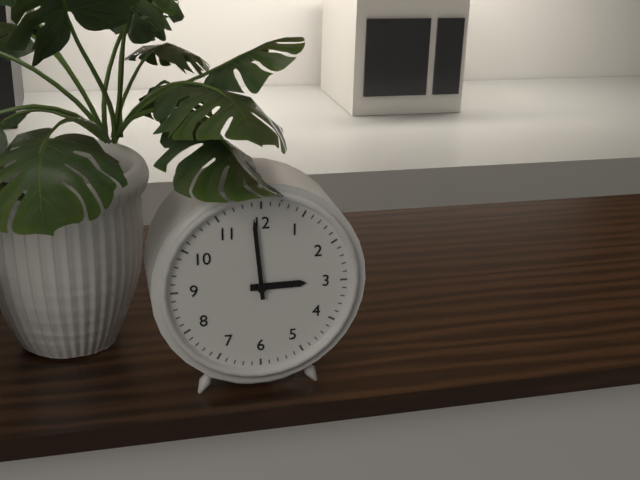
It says h=2 m=59
